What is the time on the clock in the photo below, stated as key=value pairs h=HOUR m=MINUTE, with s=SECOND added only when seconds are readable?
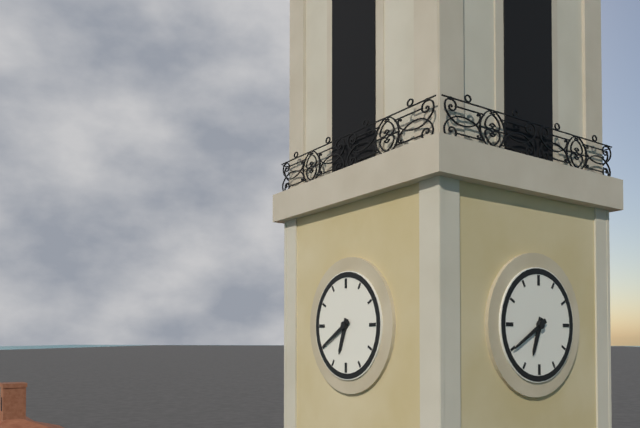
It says h=6 m=40
